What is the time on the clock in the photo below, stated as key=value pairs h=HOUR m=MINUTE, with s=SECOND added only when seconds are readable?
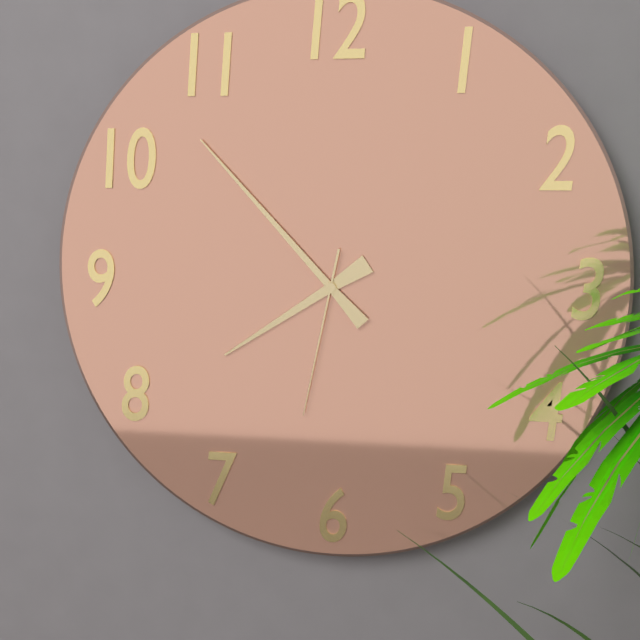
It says h=7 m=53 s=32
